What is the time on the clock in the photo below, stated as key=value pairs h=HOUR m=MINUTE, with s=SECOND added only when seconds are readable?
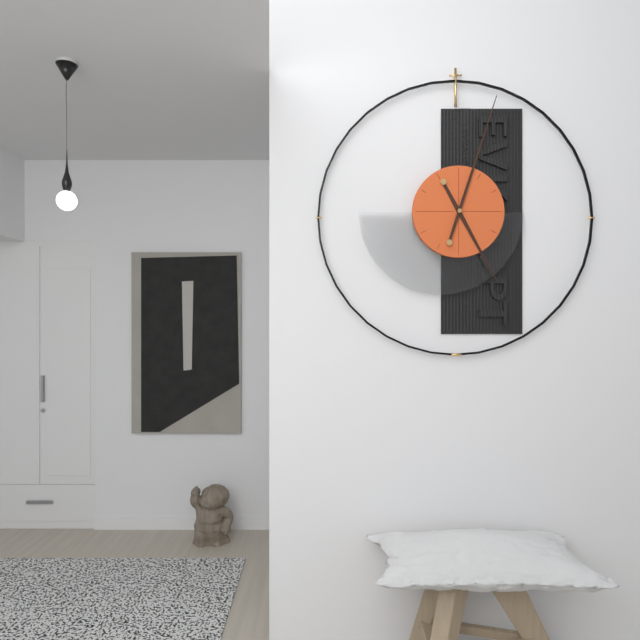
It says h=5 m=3
